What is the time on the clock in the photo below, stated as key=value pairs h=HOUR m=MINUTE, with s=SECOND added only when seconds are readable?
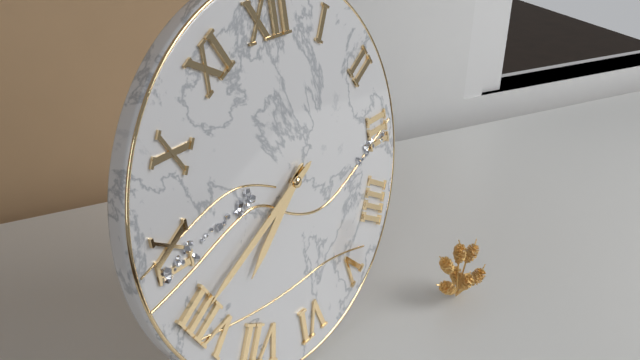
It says h=7 m=41
